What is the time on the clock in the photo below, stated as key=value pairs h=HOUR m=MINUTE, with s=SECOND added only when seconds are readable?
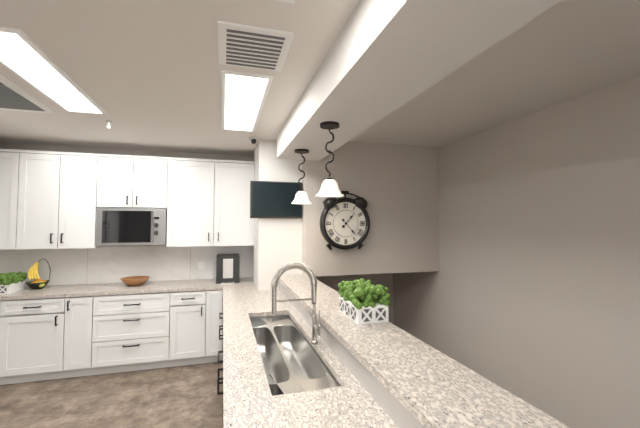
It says h=1 m=23
